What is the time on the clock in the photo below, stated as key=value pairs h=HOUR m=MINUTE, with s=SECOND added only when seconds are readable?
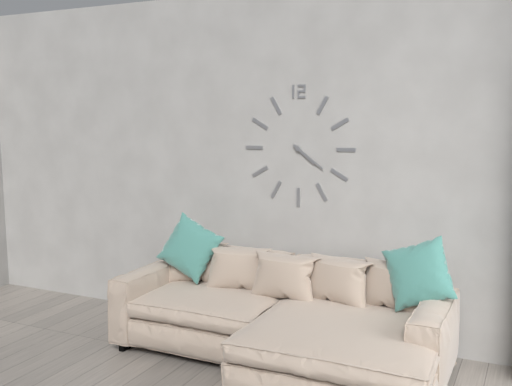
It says h=4 m=21
